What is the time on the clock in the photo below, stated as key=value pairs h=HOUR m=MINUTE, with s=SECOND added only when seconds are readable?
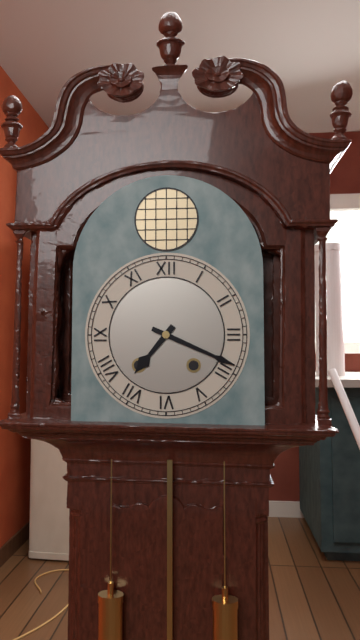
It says h=7 m=19
